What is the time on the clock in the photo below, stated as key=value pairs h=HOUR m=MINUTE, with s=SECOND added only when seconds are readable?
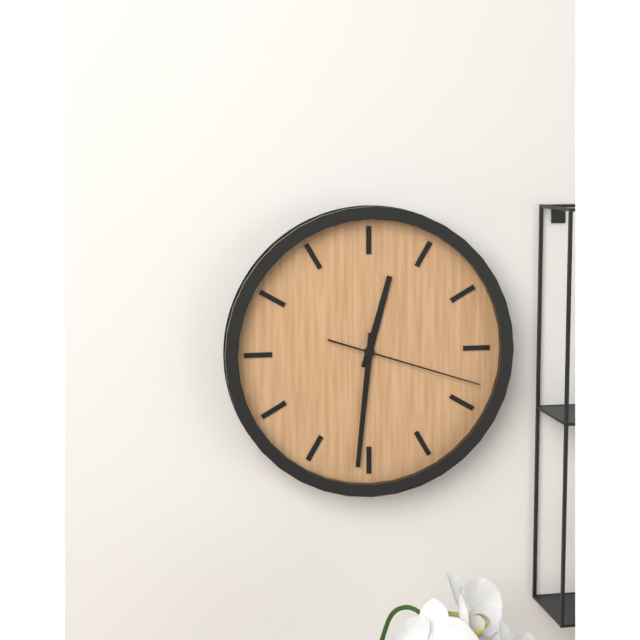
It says h=12 m=31 s=18
